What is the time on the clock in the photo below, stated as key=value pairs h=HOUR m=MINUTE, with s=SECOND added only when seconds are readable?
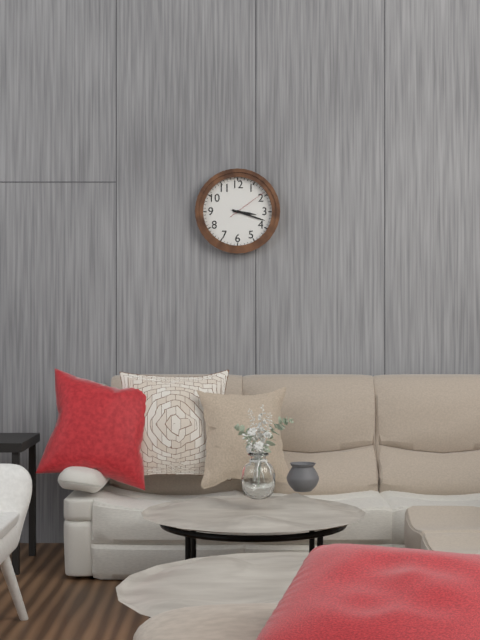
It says h=3 m=18
